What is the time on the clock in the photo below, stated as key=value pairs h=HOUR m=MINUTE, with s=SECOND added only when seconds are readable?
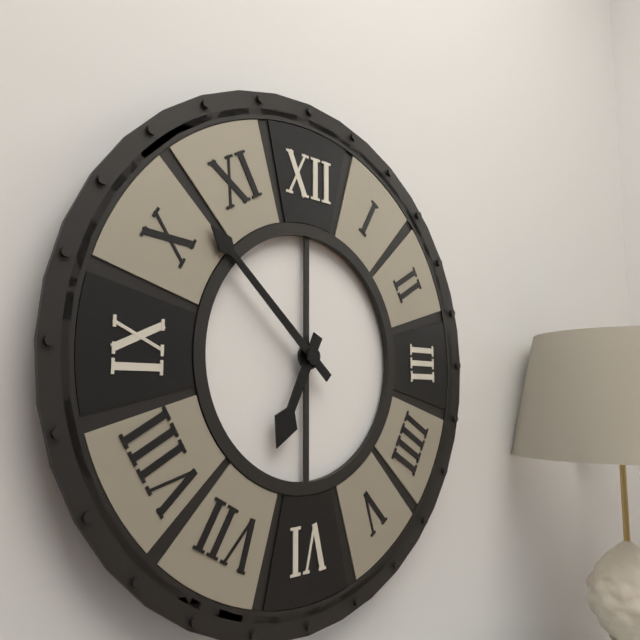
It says h=6 m=52
